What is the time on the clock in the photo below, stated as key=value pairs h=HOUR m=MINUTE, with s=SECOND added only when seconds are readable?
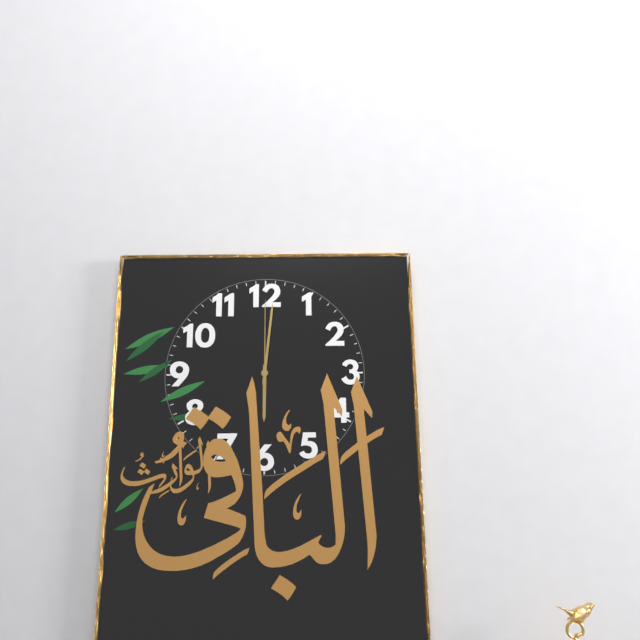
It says h=6 m=1 s=0
